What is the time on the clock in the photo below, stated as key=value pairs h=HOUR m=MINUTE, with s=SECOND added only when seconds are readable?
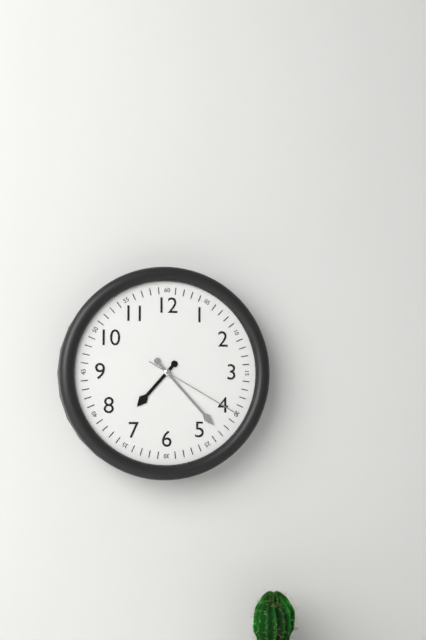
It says h=7 m=23 s=20
